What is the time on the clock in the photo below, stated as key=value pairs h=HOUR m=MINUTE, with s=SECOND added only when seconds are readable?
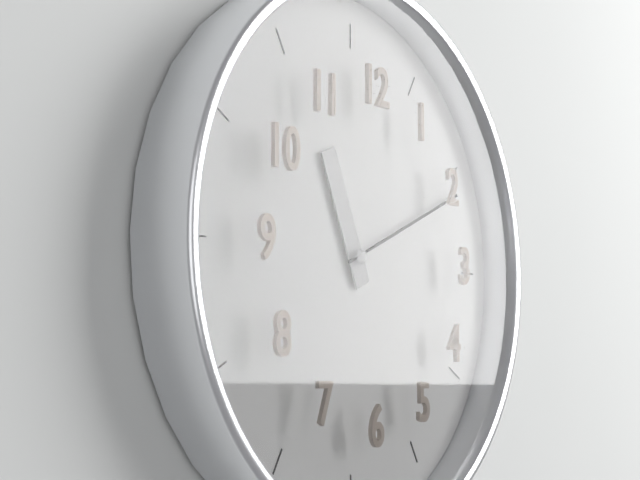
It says h=11 m=11
